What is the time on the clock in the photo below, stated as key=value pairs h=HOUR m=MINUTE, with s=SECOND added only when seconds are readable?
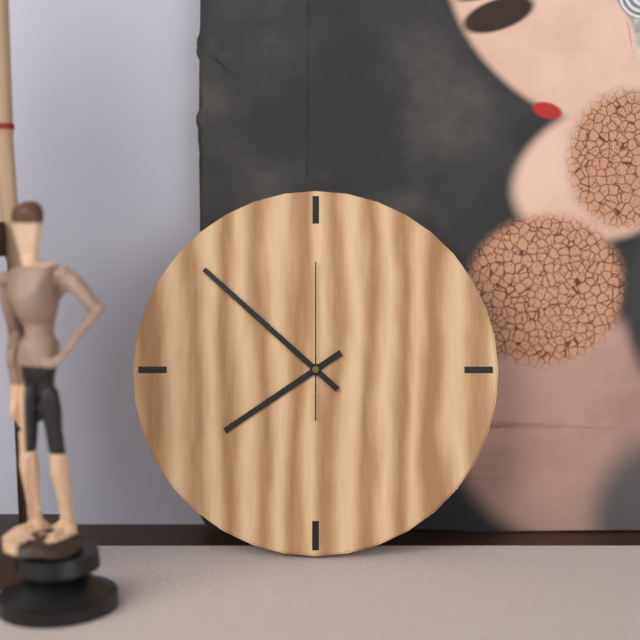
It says h=7 m=52 s=0
